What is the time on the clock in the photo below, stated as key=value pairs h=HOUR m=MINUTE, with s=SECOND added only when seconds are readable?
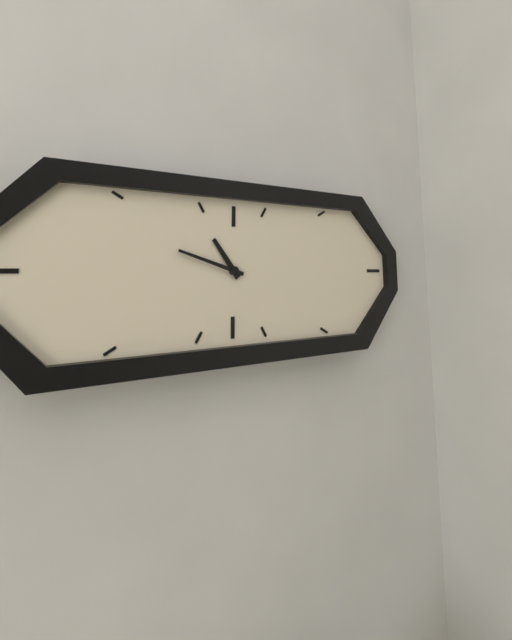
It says h=10 m=48
